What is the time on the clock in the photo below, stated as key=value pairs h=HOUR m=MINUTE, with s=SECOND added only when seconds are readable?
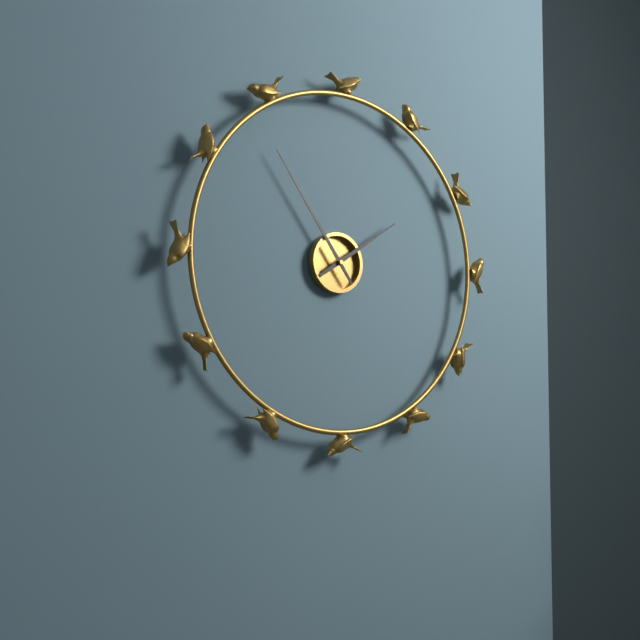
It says h=1 m=54
